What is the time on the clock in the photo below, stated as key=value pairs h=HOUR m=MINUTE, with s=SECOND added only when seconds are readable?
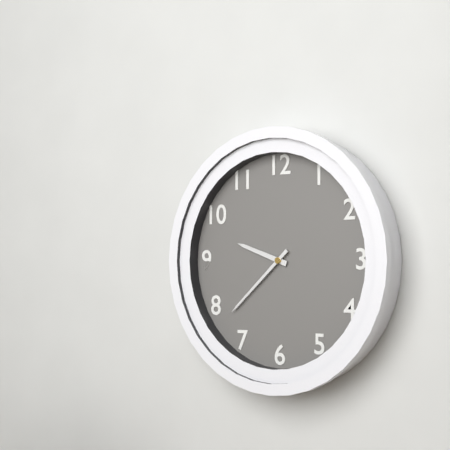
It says h=9 m=38
